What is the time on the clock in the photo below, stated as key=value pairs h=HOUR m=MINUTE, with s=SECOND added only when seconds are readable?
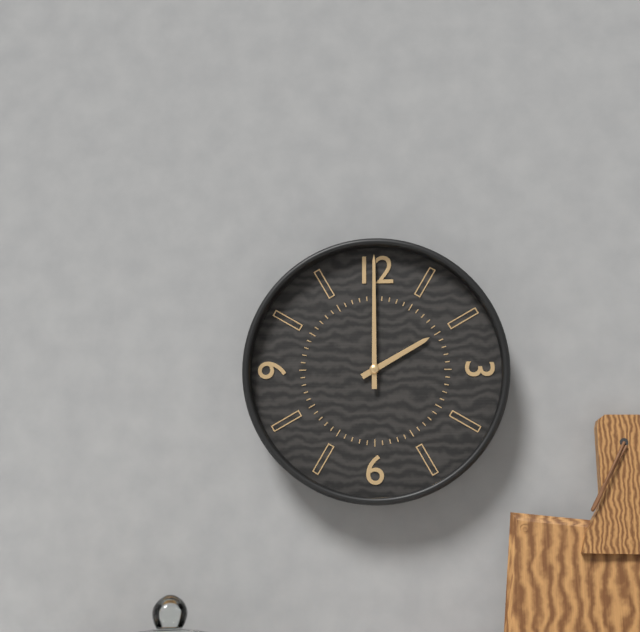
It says h=2 m=0
